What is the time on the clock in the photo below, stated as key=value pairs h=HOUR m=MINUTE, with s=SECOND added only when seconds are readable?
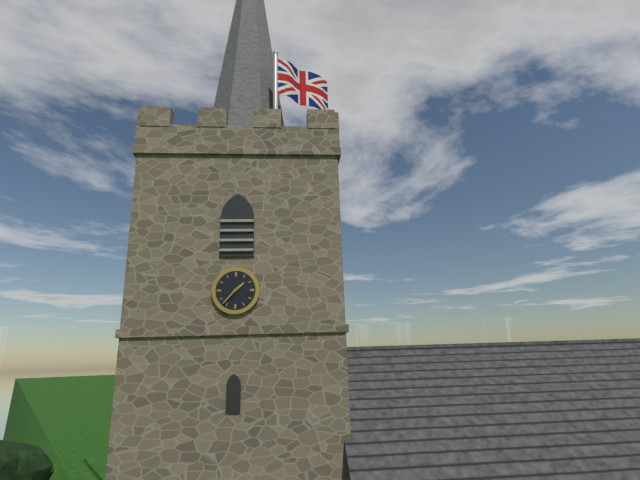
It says h=1 m=37
